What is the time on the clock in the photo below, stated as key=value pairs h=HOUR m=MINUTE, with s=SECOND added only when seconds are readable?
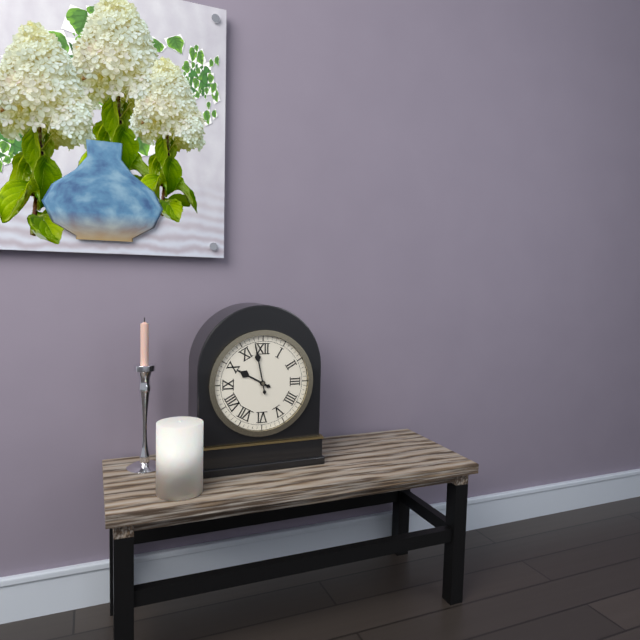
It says h=9 m=58
